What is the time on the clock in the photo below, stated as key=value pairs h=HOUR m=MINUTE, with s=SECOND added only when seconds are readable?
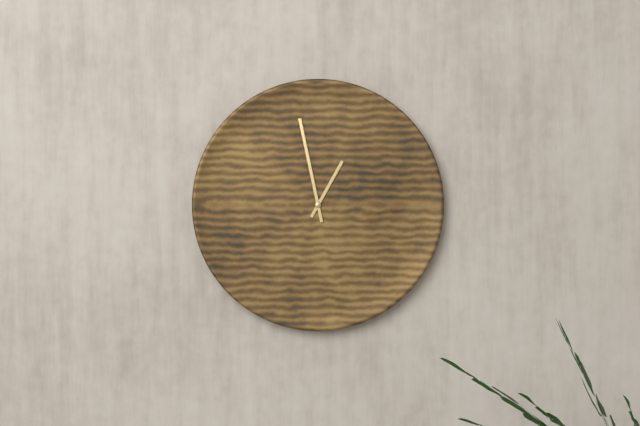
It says h=12 m=58
